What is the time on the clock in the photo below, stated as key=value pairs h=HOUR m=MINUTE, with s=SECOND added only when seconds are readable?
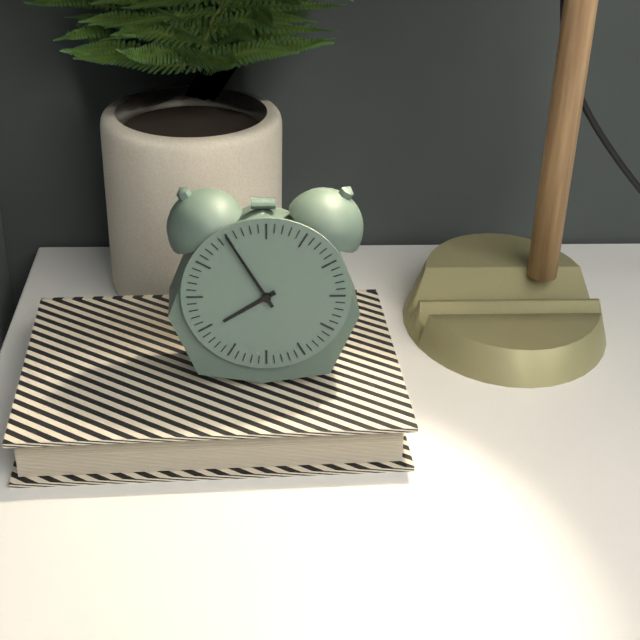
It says h=7 m=55
